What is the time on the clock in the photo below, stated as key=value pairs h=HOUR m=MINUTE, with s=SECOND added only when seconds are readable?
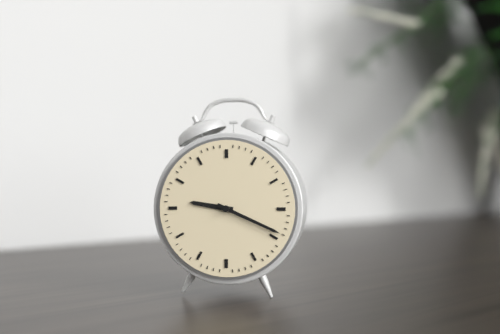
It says h=9 m=19
